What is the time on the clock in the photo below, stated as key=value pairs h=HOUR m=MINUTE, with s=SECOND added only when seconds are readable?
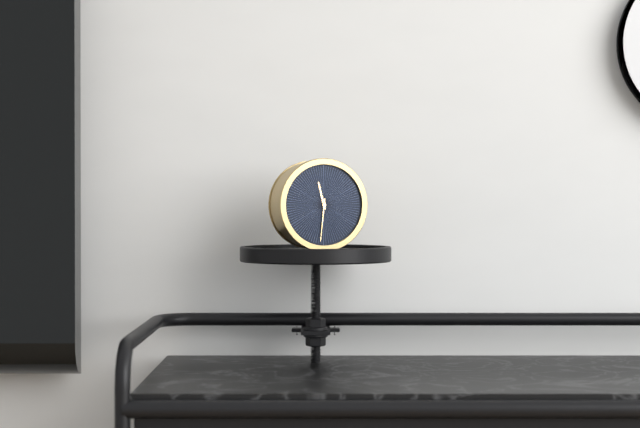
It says h=11 m=31
